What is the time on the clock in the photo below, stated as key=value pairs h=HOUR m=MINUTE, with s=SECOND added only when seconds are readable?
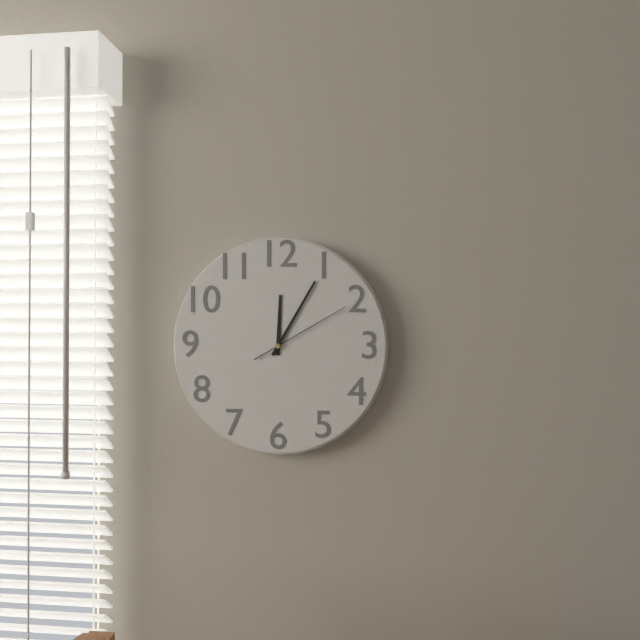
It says h=12 m=5 s=10
